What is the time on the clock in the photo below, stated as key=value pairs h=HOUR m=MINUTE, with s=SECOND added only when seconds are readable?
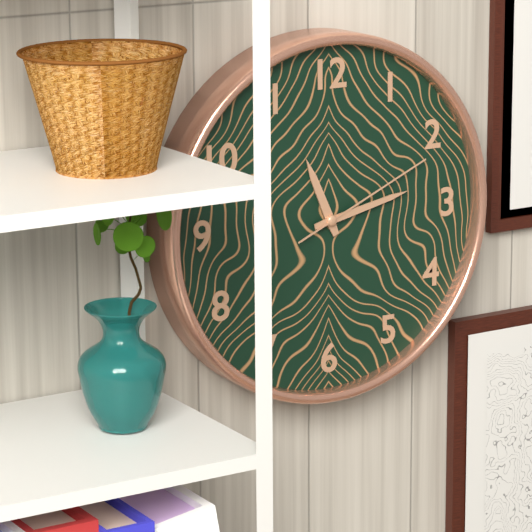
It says h=11 m=13 s=11
